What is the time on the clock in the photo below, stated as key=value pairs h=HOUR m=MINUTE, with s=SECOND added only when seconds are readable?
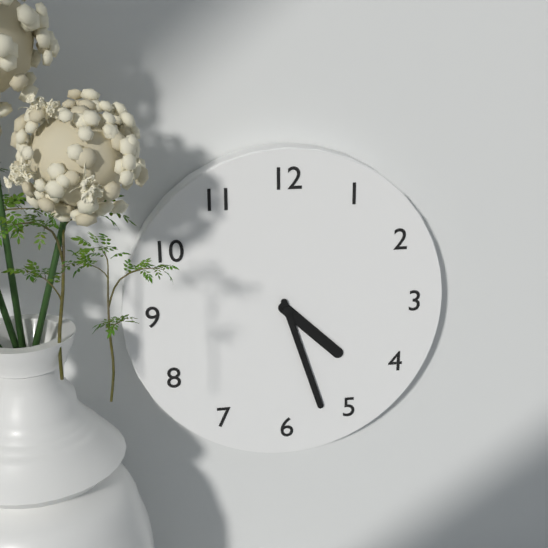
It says h=4 m=27
